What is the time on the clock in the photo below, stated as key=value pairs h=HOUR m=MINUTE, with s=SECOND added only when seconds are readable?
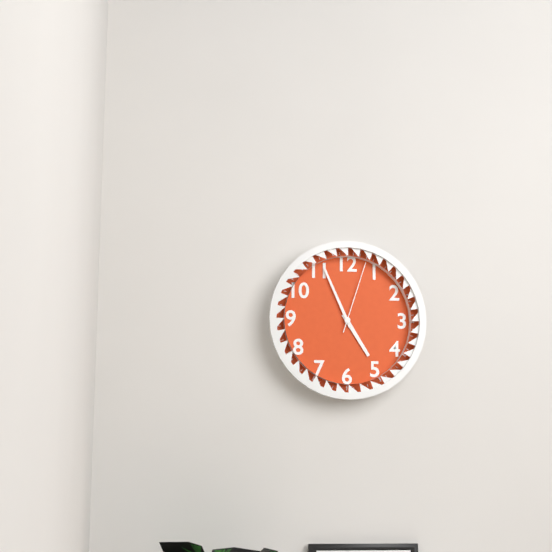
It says h=4 m=56 s=3
